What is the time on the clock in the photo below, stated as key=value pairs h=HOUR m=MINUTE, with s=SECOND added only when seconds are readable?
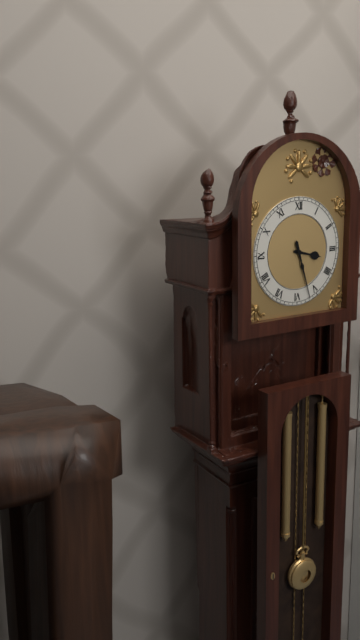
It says h=3 m=27
